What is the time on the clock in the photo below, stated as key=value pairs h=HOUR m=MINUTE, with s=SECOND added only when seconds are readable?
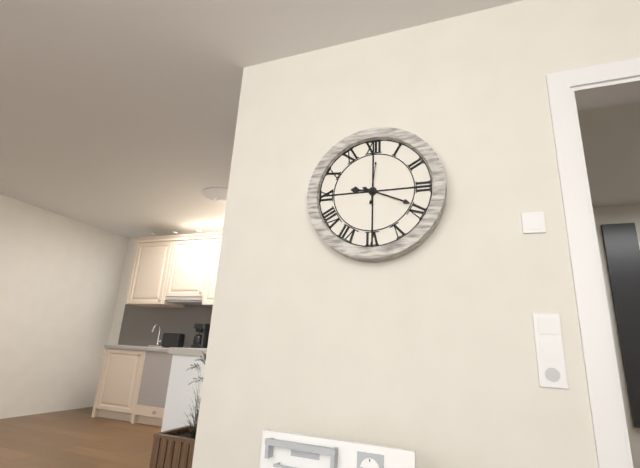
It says h=9 m=19
